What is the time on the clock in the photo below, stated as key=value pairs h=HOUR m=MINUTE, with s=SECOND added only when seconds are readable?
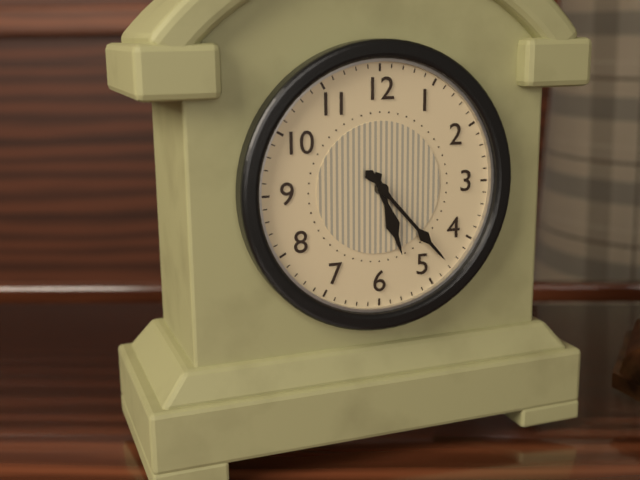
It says h=5 m=23
